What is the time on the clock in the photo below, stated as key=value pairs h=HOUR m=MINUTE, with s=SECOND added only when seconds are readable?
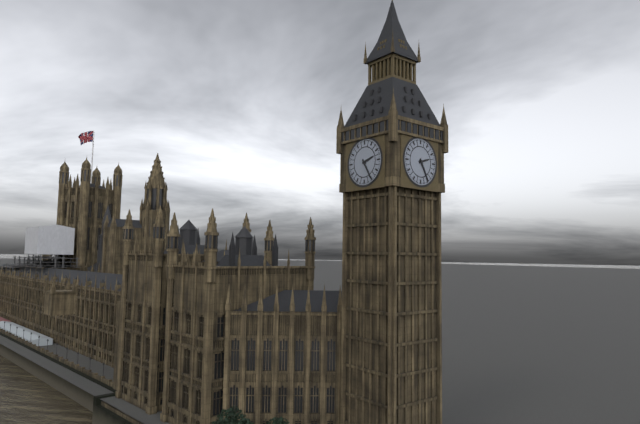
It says h=2 m=25
